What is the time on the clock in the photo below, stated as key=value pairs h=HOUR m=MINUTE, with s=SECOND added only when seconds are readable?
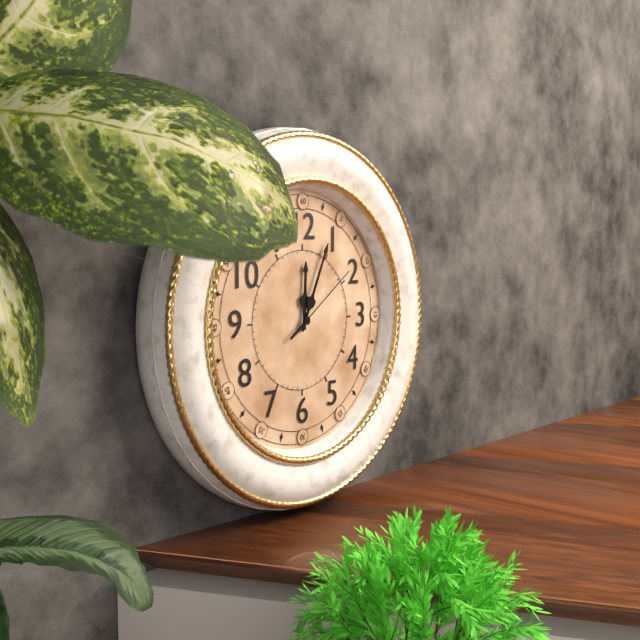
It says h=12 m=4 s=9
